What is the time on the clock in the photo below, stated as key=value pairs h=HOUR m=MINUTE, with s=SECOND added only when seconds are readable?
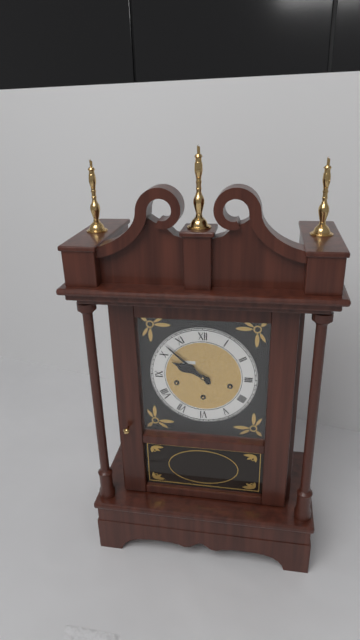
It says h=9 m=52
